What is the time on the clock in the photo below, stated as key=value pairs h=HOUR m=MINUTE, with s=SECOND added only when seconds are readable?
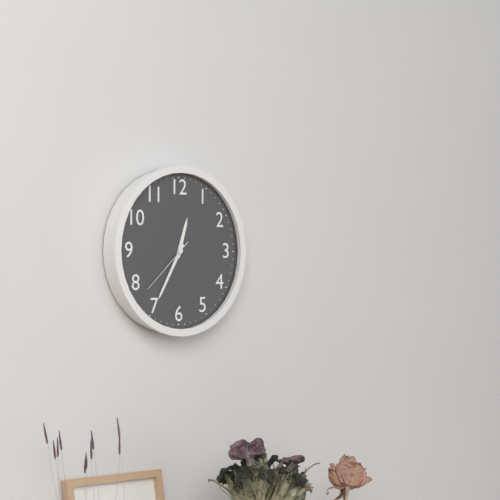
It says h=12 m=35 s=38
